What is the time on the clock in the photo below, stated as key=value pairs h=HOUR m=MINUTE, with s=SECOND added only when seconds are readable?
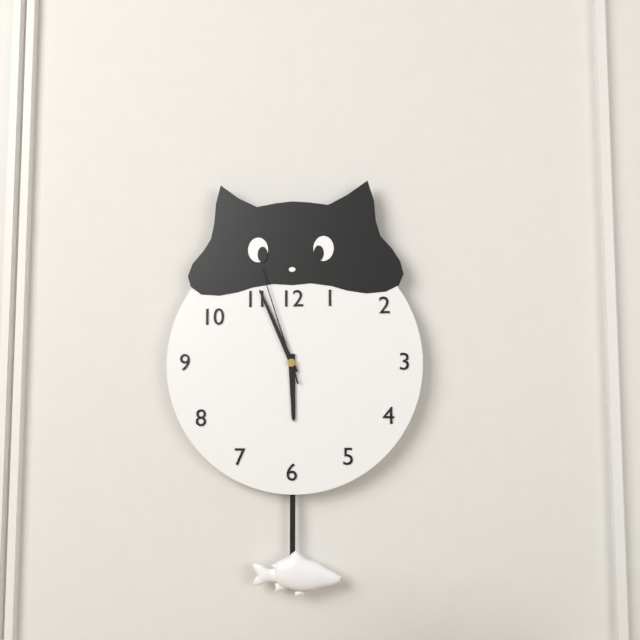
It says h=5 m=56 s=57
